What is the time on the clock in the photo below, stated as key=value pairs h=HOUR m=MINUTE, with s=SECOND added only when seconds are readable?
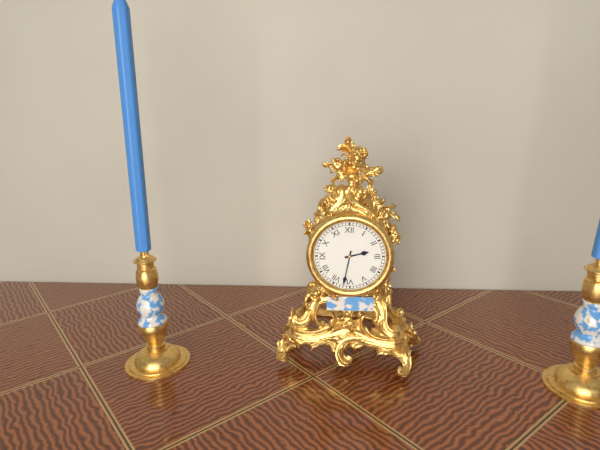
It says h=2 m=32
